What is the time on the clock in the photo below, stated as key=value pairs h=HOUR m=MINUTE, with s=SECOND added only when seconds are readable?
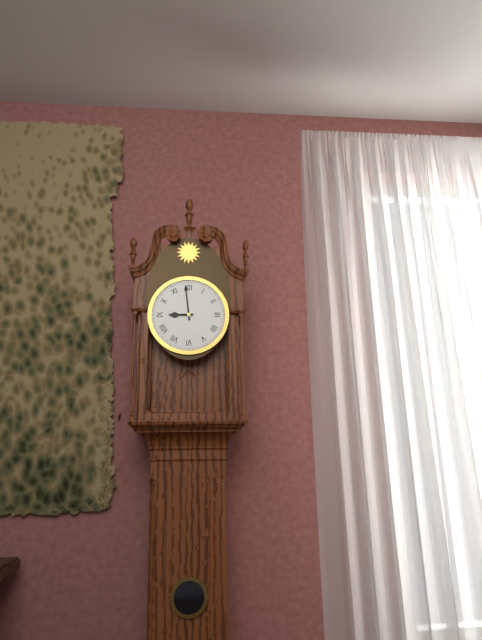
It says h=8 m=59
